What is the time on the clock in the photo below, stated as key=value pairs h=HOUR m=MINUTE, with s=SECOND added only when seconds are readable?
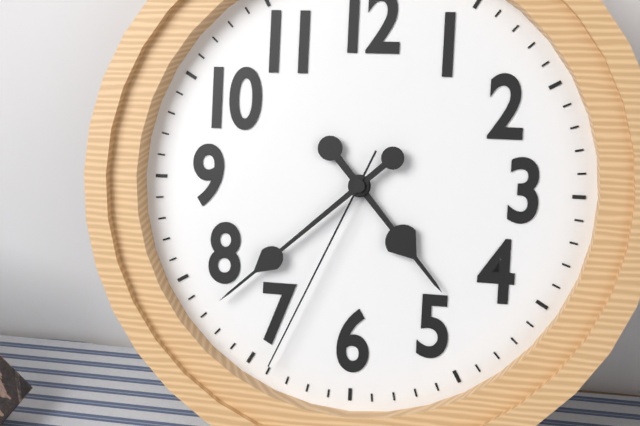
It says h=4 m=38 s=34
